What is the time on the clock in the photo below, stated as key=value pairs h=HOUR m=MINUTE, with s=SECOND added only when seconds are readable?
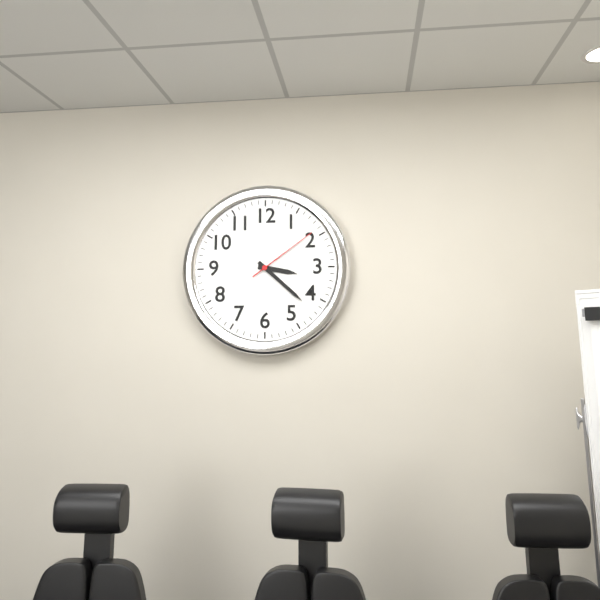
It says h=3 m=22 s=9
